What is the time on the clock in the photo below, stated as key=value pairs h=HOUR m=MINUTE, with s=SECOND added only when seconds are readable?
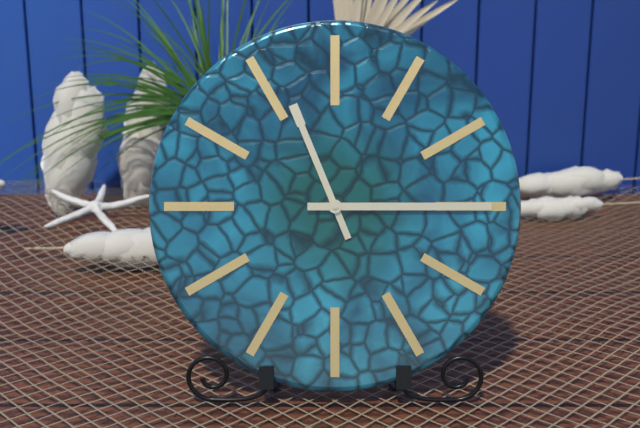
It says h=11 m=15
